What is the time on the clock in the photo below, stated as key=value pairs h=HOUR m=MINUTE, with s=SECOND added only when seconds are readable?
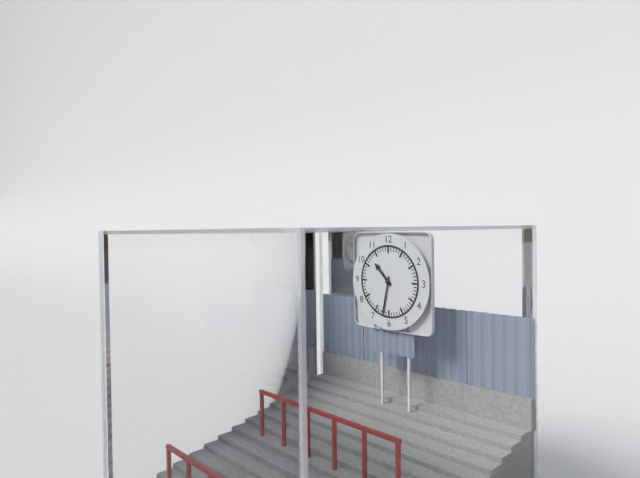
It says h=10 m=32
